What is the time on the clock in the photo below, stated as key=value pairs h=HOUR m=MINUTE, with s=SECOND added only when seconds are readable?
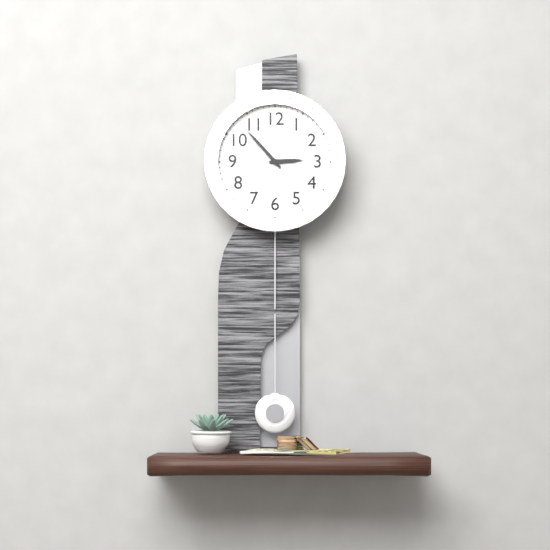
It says h=2 m=53
